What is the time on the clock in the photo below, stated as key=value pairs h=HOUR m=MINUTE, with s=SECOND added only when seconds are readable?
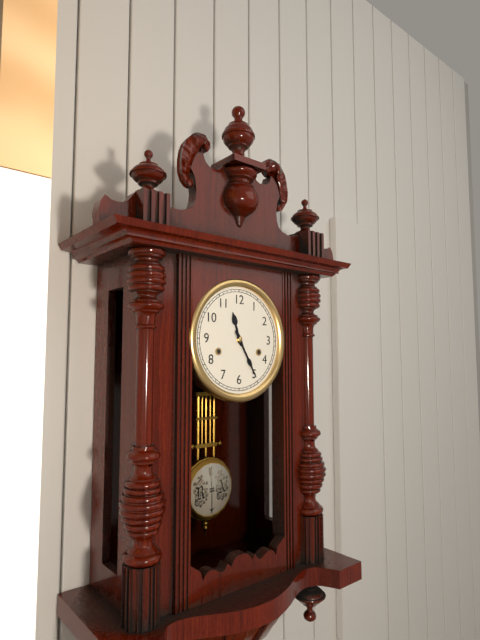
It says h=11 m=25
